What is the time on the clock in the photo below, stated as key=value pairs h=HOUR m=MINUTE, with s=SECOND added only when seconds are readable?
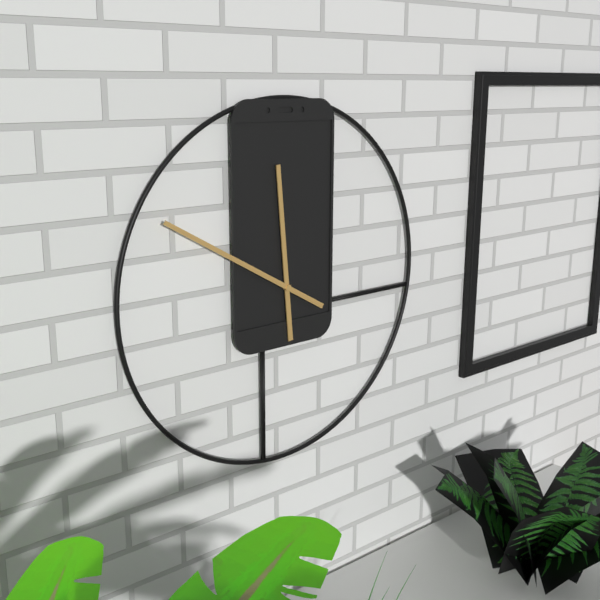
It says h=11 m=50
